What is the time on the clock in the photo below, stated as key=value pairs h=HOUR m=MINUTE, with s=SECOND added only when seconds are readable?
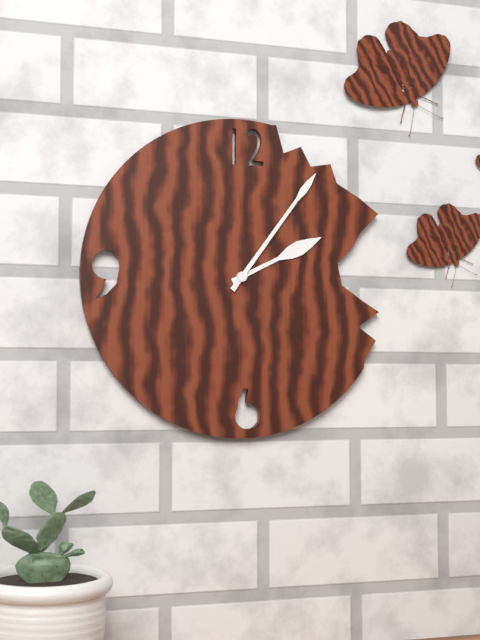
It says h=2 m=6
